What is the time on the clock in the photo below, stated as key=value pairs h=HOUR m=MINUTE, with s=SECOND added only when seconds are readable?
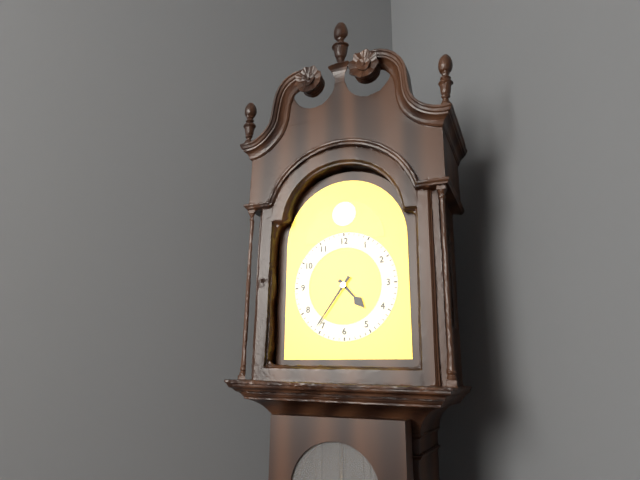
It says h=4 m=36
